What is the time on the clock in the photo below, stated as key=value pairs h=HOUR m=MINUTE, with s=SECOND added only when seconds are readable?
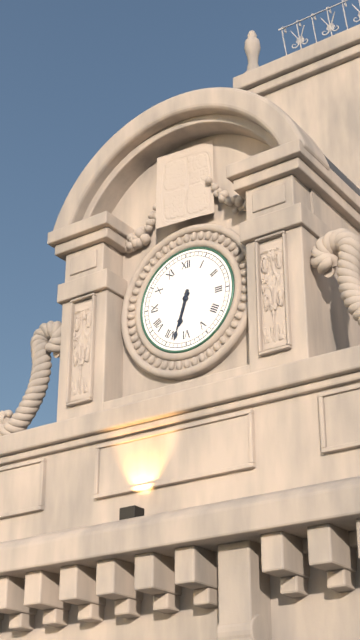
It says h=6 m=33
